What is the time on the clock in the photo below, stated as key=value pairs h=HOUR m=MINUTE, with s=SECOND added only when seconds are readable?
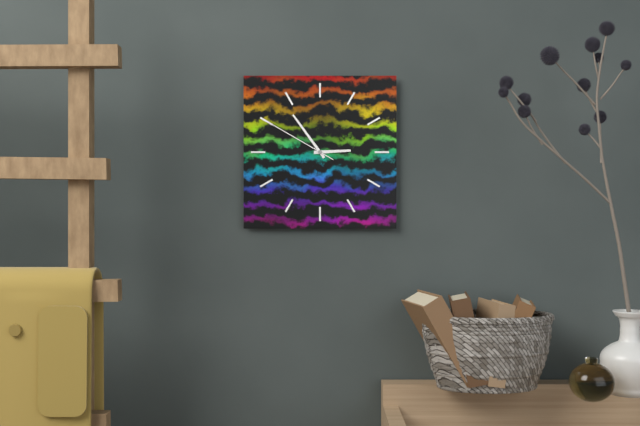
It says h=2 m=54 s=50
